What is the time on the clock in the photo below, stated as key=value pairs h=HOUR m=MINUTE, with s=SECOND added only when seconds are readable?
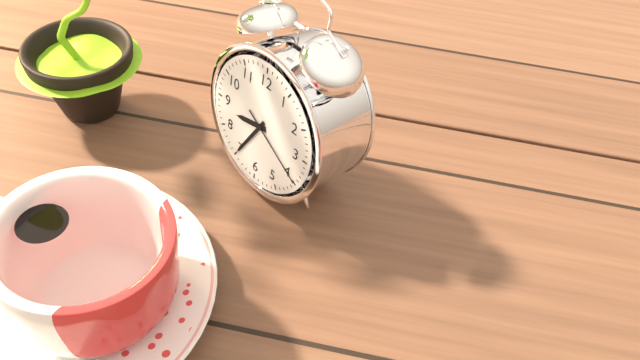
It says h=8 m=35 s=20
